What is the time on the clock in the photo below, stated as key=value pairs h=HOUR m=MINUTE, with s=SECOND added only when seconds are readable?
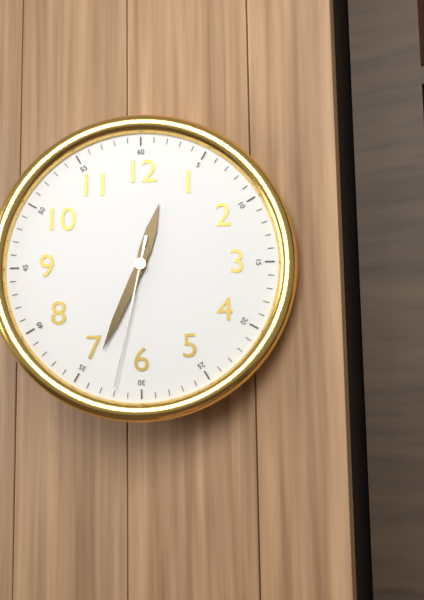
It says h=12 m=34 s=32
